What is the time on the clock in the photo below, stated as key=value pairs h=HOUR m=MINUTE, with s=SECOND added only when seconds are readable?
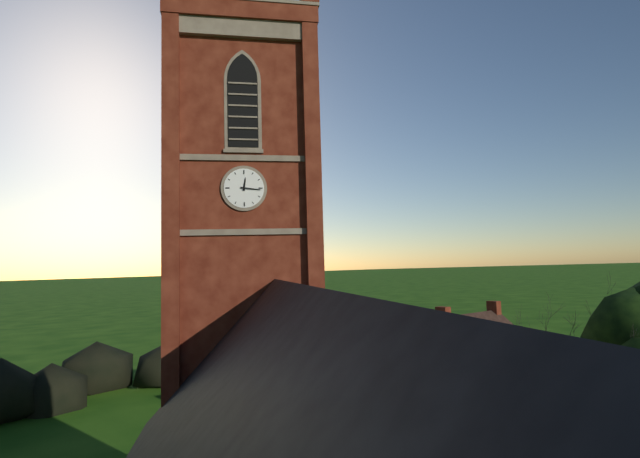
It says h=12 m=16
